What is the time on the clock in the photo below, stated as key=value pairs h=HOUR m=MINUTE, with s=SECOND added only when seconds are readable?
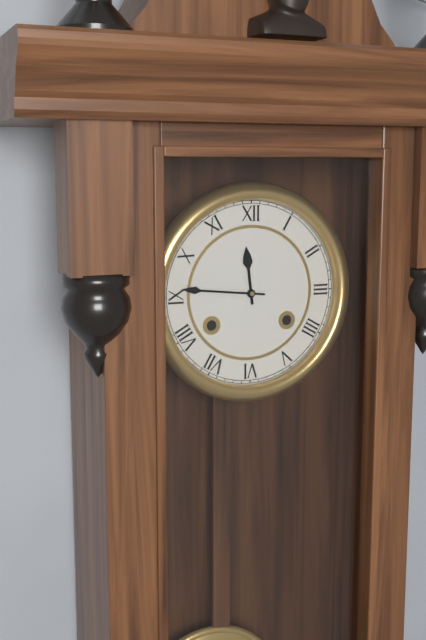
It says h=11 m=46
